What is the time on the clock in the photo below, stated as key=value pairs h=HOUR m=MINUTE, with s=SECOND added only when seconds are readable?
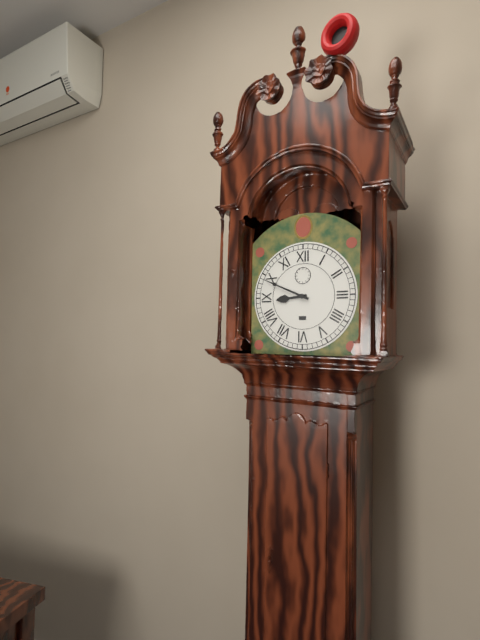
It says h=8 m=49
